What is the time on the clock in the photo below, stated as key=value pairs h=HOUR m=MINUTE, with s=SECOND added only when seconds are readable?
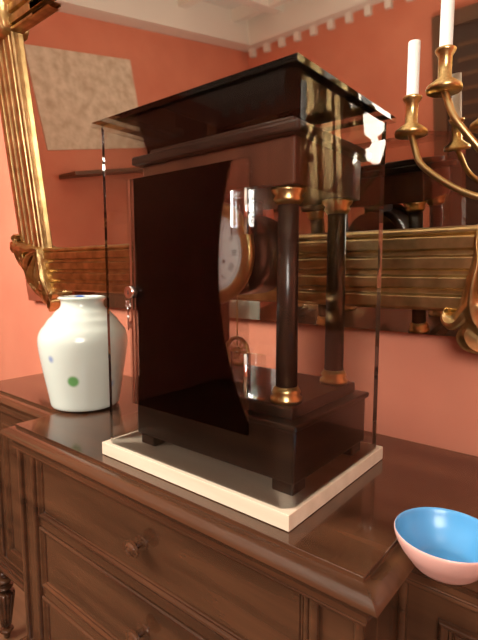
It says h=7 m=40
